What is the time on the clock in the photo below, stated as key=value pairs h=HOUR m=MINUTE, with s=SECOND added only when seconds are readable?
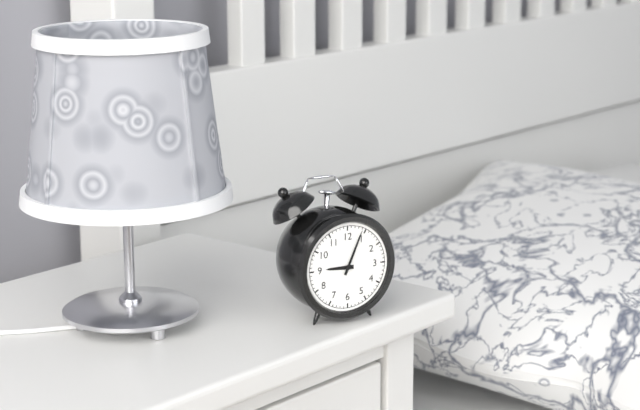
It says h=9 m=4
